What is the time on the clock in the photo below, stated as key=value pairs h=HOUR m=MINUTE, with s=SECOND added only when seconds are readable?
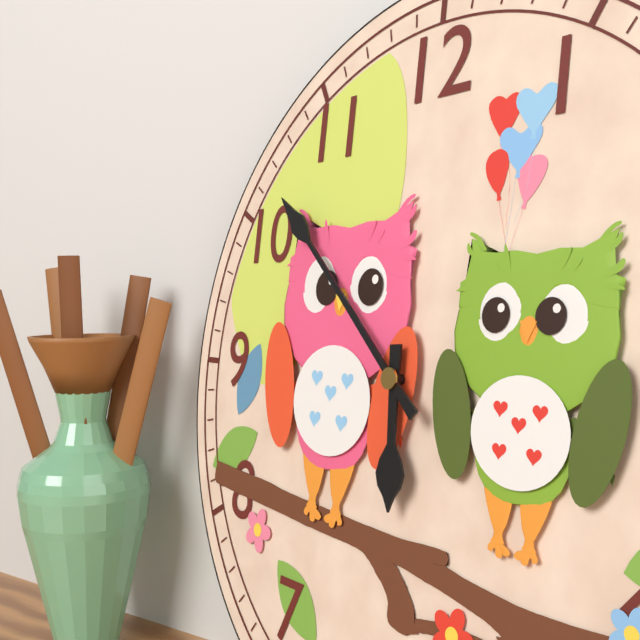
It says h=5 m=52
